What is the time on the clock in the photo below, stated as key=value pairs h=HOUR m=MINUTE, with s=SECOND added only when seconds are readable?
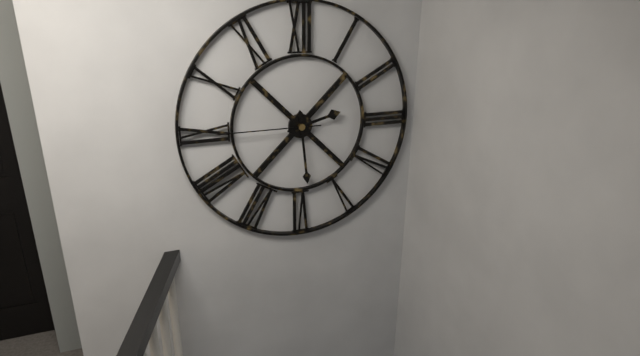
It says h=2 m=29 s=45
